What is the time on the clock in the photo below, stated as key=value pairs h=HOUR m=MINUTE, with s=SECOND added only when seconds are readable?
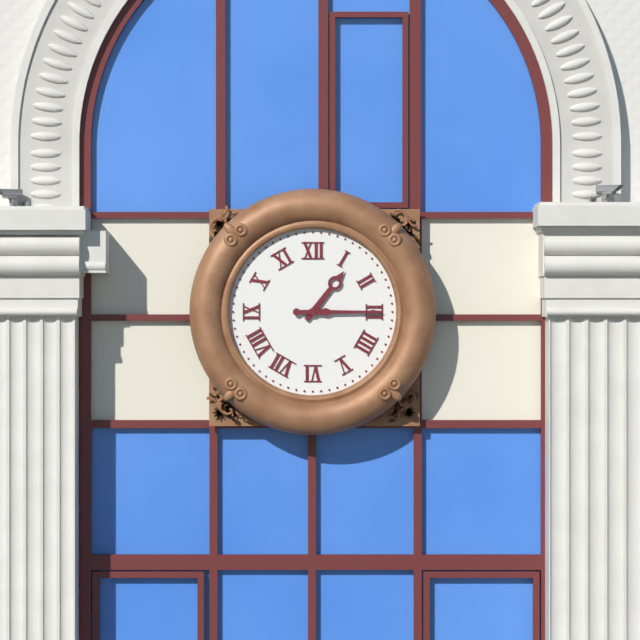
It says h=1 m=15
